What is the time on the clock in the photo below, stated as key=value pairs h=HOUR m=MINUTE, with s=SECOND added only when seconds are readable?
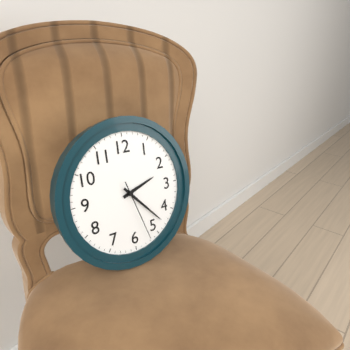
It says h=2 m=23 s=27
